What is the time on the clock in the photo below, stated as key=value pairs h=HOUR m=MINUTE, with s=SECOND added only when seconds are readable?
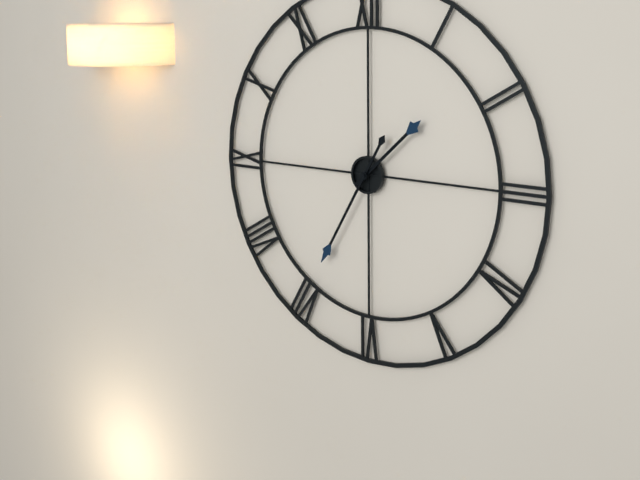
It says h=1 m=35
